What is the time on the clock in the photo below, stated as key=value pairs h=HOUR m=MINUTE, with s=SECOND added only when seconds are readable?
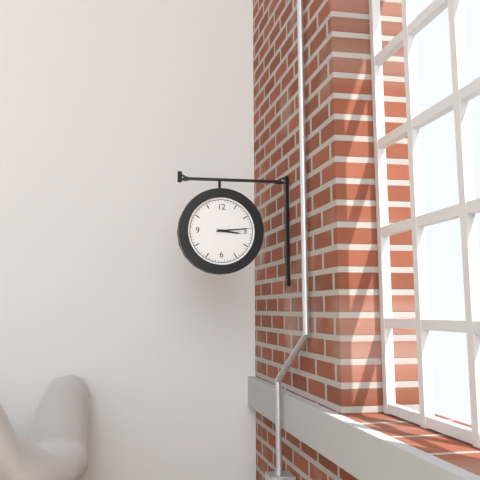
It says h=3 m=14
